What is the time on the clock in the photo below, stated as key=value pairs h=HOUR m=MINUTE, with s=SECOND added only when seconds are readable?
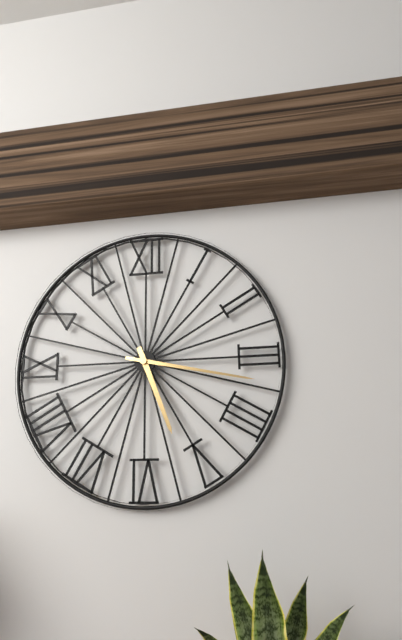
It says h=5 m=17
